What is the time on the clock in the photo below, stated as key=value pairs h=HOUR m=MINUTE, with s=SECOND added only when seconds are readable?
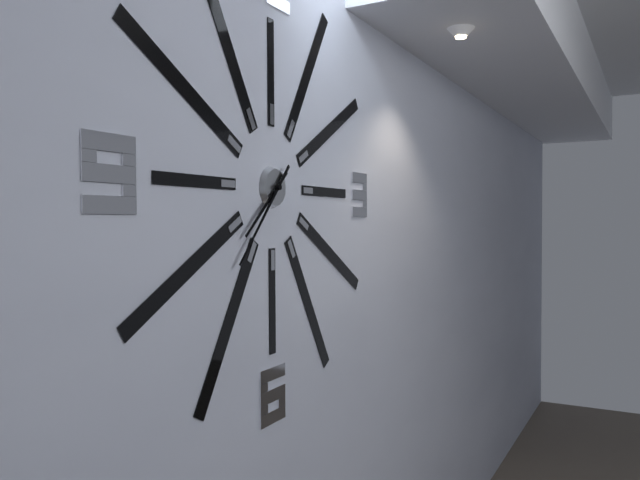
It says h=7 m=37
